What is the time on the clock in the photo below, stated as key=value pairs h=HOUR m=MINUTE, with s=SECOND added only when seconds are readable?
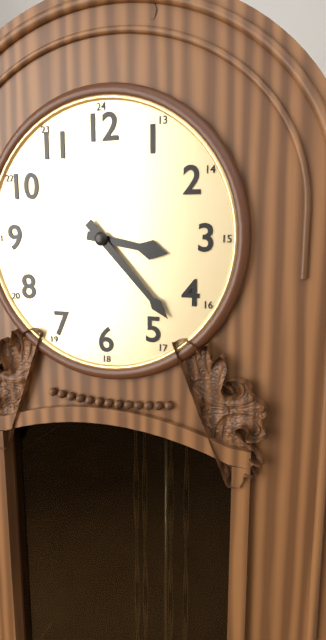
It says h=3 m=23
